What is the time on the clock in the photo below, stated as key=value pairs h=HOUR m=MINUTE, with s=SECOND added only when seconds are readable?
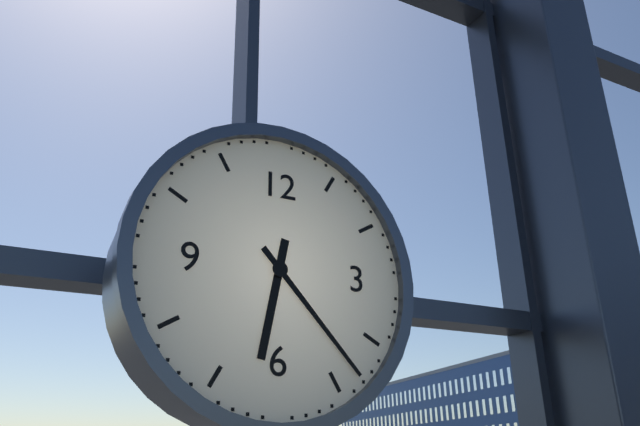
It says h=6 m=23
